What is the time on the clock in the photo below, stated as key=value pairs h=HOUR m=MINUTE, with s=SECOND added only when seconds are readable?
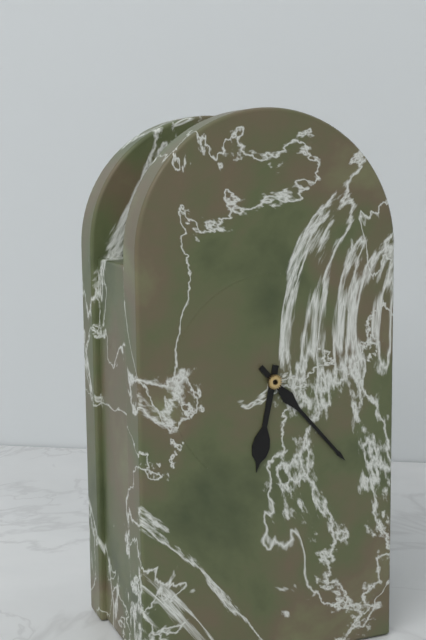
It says h=6 m=23
